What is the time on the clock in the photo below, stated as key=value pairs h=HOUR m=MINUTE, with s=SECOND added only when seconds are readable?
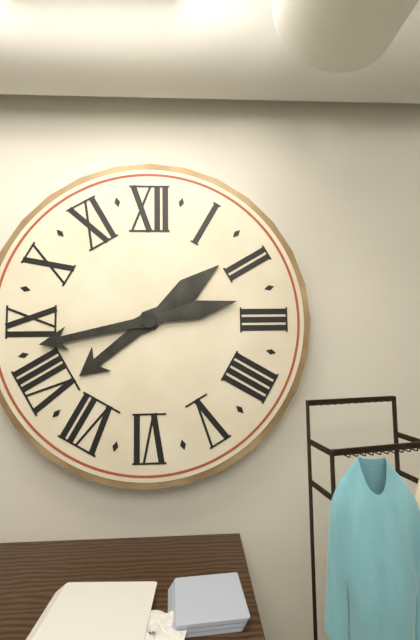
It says h=7 m=43
